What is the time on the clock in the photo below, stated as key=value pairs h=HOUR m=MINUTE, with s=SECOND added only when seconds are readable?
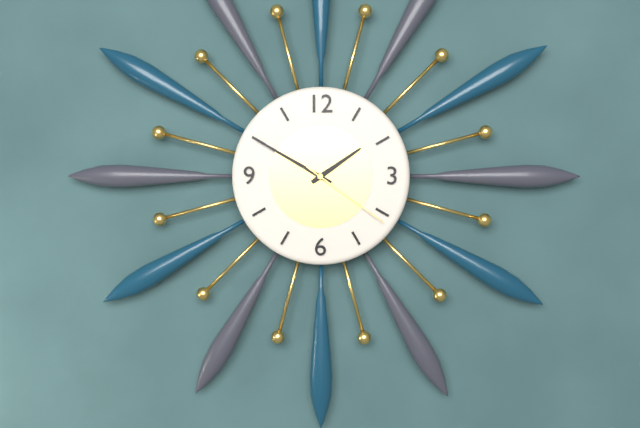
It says h=1 m=50 s=21
